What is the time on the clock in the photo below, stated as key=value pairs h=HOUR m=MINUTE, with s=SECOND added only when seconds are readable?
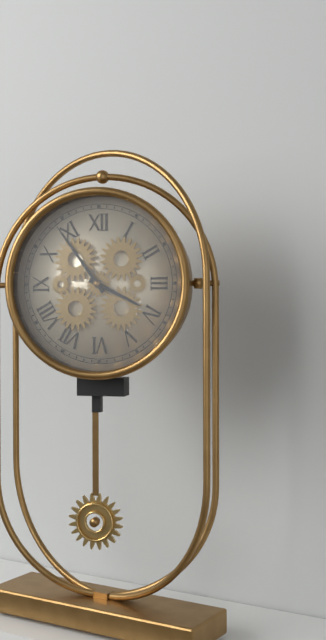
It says h=3 m=54
